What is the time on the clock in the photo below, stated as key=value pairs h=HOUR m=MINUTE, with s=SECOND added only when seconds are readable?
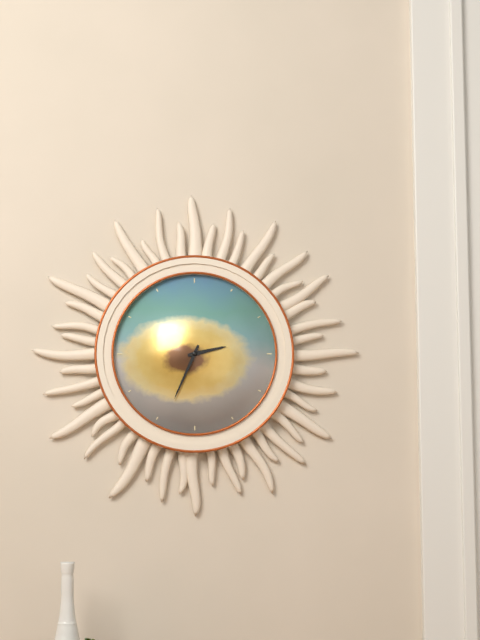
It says h=2 m=34
